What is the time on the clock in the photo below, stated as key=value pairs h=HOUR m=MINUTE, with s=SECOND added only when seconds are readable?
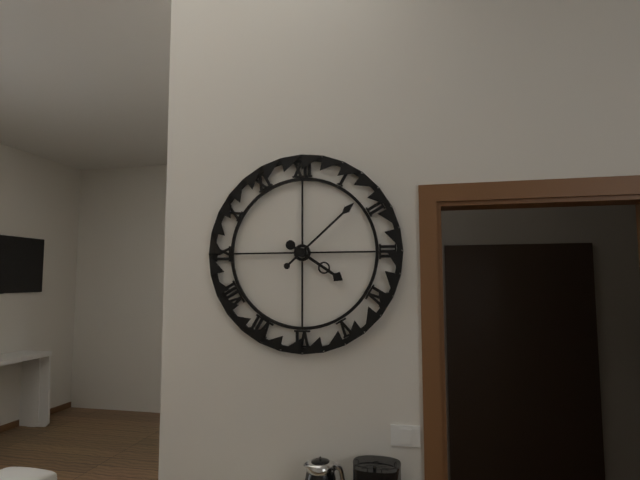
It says h=4 m=8
